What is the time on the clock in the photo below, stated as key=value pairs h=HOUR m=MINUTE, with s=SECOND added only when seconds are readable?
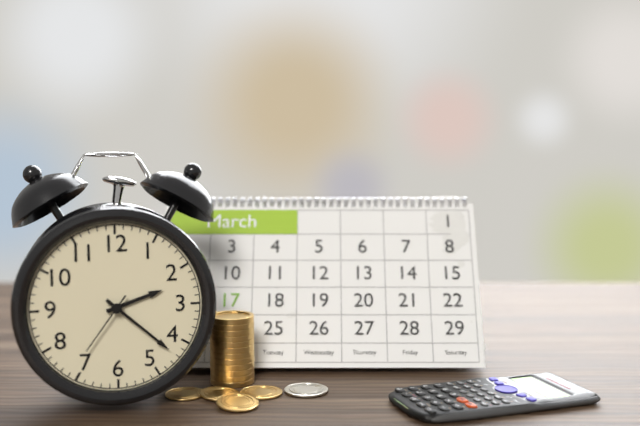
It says h=2 m=22 s=36
